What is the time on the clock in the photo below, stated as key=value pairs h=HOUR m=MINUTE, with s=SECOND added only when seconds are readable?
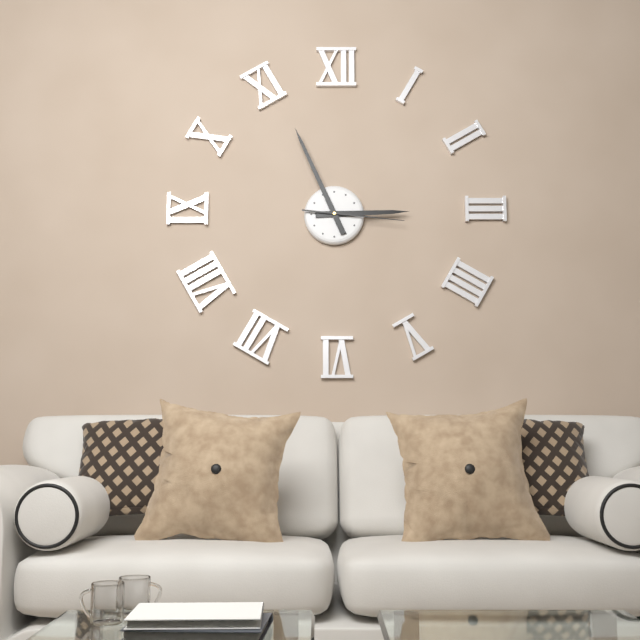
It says h=2 m=56 s=16
